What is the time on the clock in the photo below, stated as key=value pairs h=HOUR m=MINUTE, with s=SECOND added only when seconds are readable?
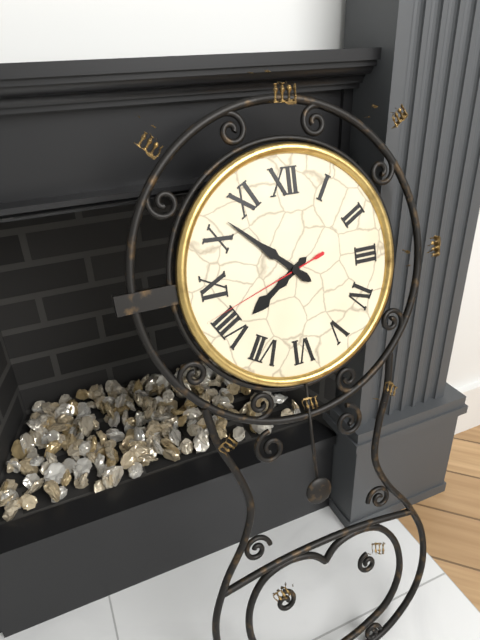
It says h=7 m=52 s=42
